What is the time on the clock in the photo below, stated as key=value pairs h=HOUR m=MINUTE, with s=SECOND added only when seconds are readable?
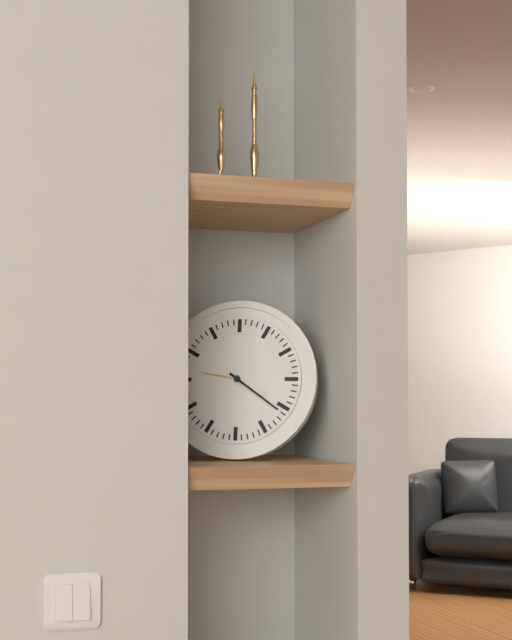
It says h=9 m=21
